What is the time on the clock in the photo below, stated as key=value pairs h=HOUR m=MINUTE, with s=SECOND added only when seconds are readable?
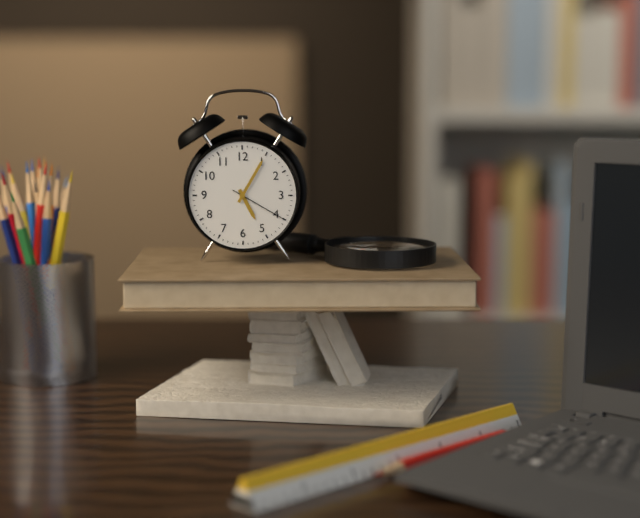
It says h=5 m=5 s=20
